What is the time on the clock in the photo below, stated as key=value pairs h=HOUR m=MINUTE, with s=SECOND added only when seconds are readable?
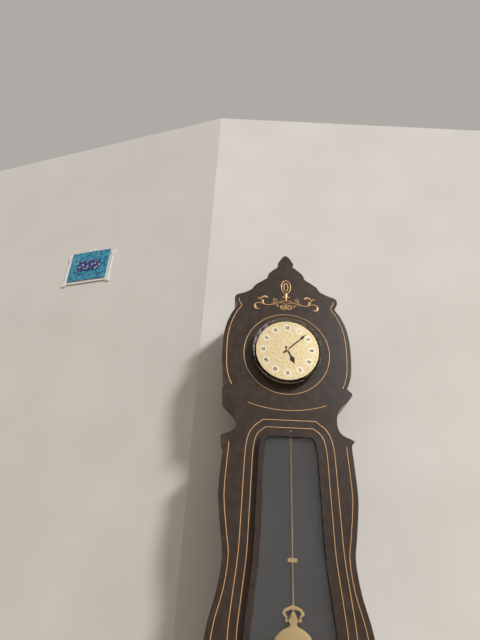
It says h=5 m=8
